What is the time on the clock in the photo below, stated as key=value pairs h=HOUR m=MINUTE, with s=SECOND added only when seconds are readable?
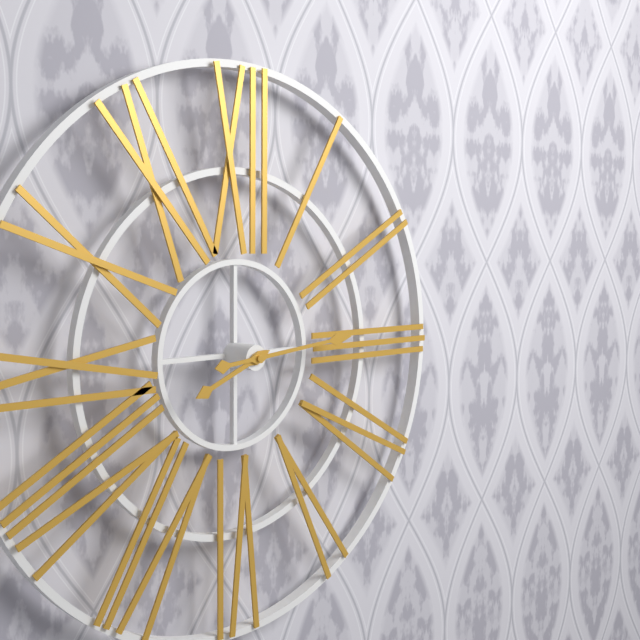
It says h=8 m=14
